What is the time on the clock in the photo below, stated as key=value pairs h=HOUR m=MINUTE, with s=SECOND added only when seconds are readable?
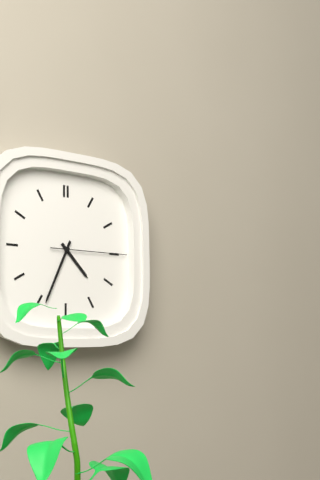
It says h=4 m=34 s=15
